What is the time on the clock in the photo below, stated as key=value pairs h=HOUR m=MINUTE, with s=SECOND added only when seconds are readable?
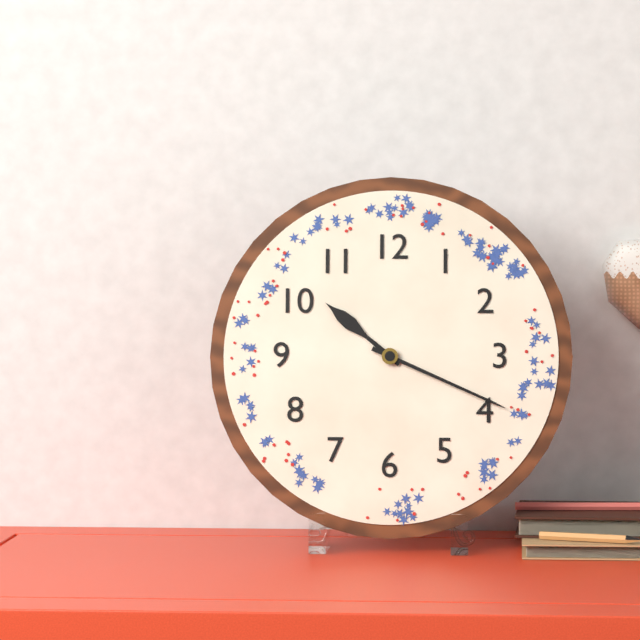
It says h=10 m=19
